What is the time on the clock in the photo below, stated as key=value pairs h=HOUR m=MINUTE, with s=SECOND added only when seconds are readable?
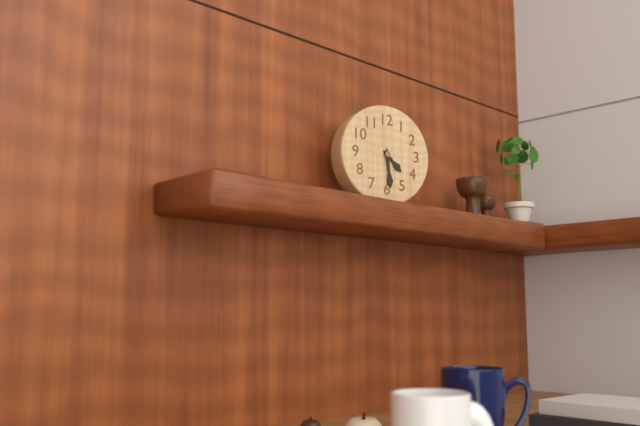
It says h=4 m=29
